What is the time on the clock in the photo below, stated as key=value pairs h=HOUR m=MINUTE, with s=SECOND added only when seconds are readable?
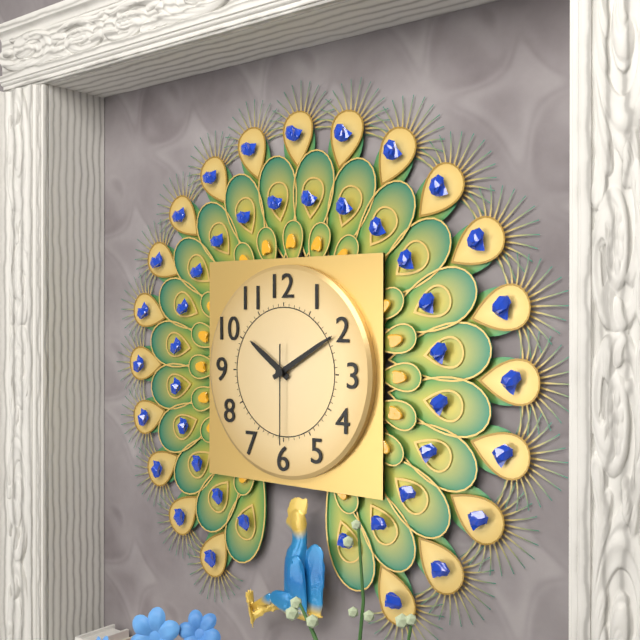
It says h=10 m=10 s=30
